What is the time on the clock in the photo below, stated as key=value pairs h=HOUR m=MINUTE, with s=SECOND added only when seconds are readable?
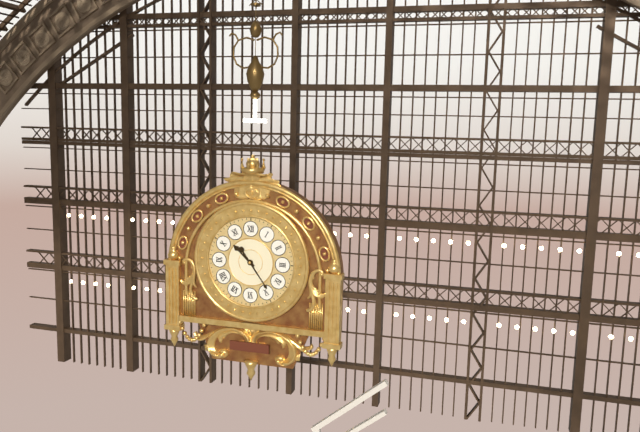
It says h=10 m=24
